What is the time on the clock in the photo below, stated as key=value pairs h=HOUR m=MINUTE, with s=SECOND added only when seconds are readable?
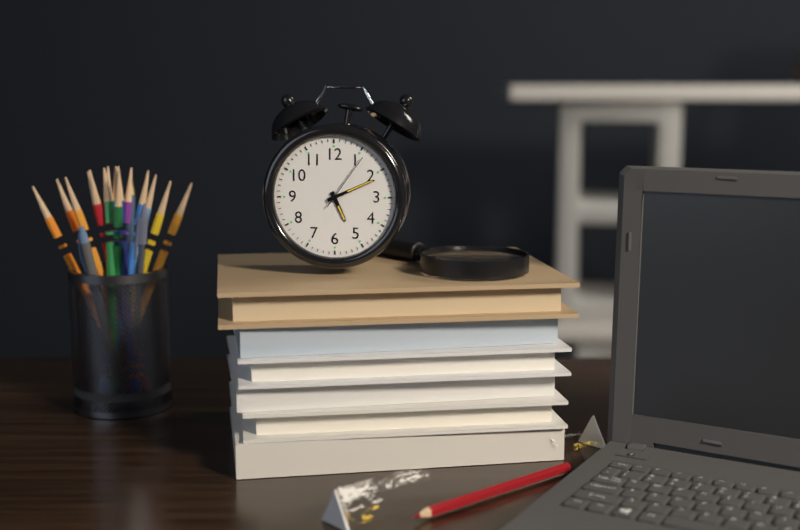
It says h=5 m=11 s=6
